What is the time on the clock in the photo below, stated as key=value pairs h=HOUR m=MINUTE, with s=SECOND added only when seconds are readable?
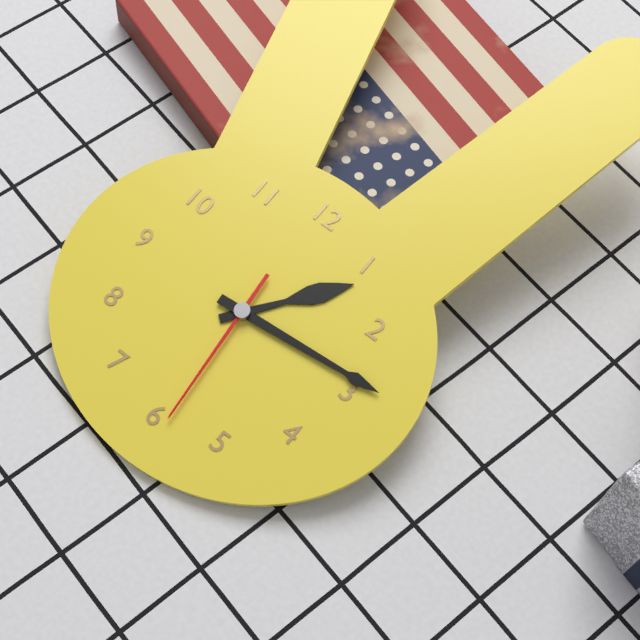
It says h=1 m=14 s=29
